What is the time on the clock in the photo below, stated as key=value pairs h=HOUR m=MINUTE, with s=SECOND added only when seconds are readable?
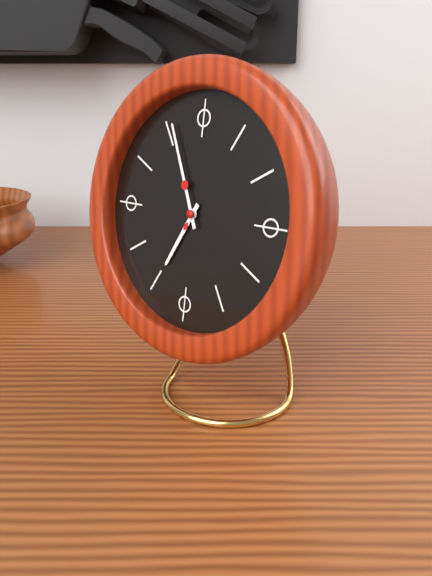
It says h=6 m=56
